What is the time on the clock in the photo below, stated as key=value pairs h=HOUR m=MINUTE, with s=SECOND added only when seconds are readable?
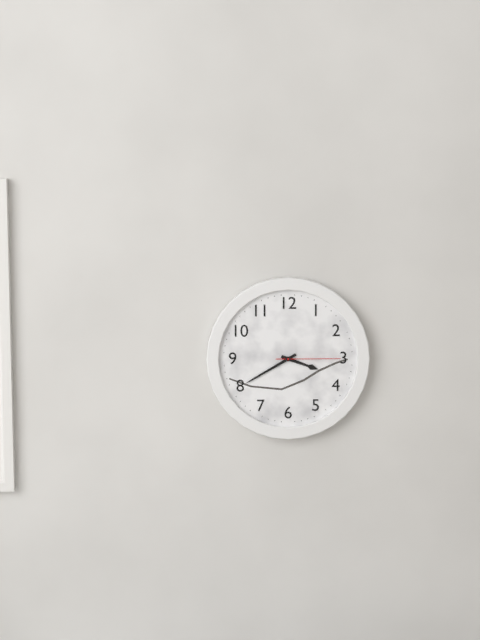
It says h=3 m=40 s=15
